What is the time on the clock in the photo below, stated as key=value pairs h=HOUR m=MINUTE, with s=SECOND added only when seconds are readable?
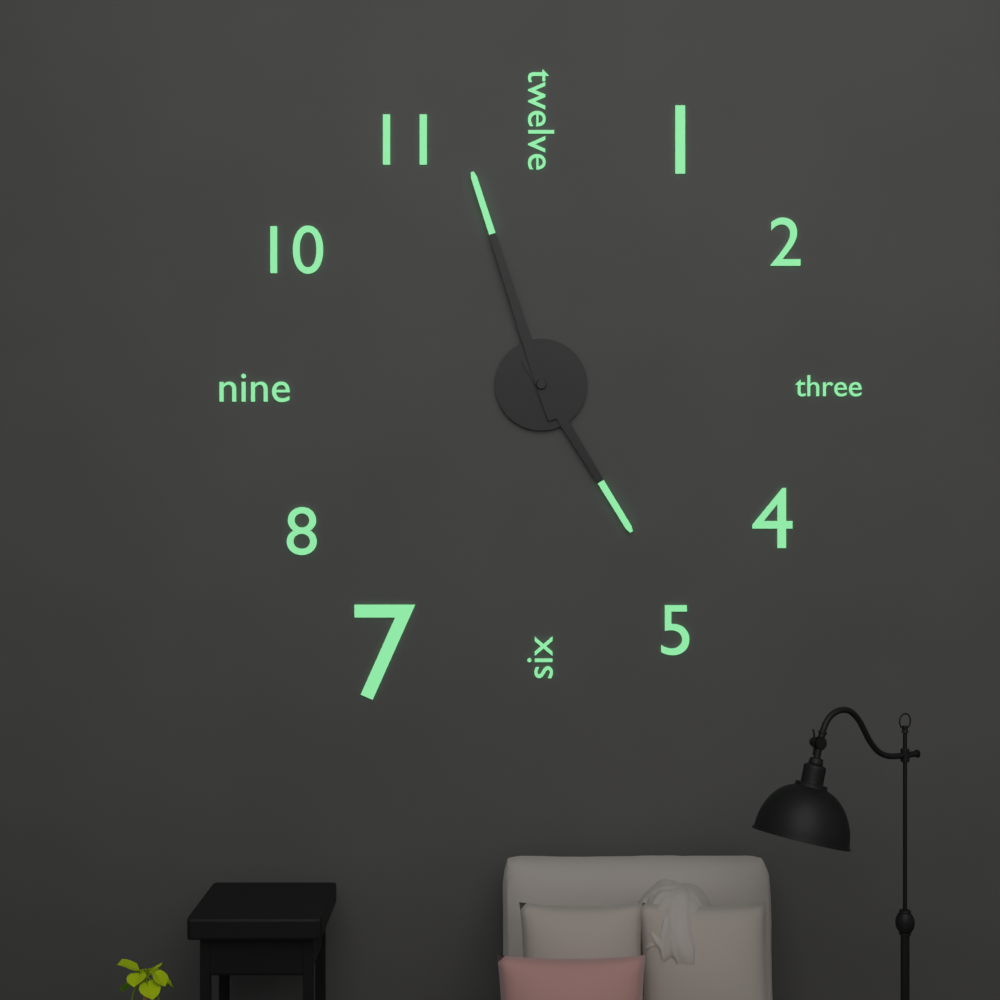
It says h=4 m=57
